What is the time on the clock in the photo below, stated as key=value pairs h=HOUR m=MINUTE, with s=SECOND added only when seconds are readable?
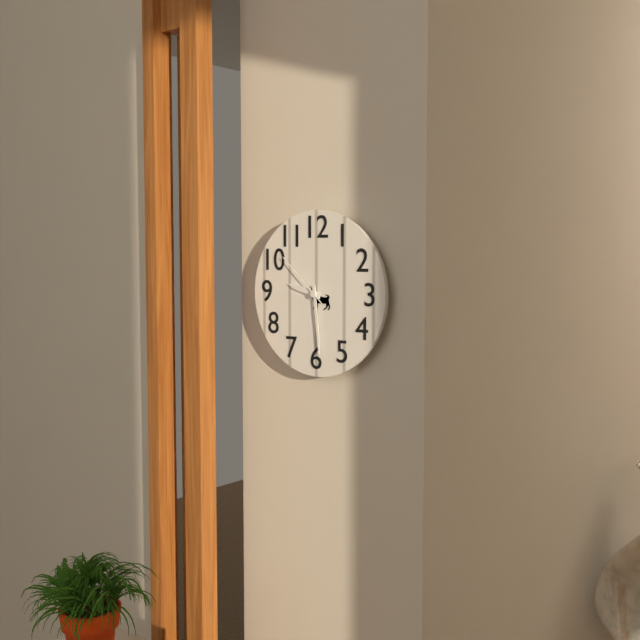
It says h=9 m=29 s=52
